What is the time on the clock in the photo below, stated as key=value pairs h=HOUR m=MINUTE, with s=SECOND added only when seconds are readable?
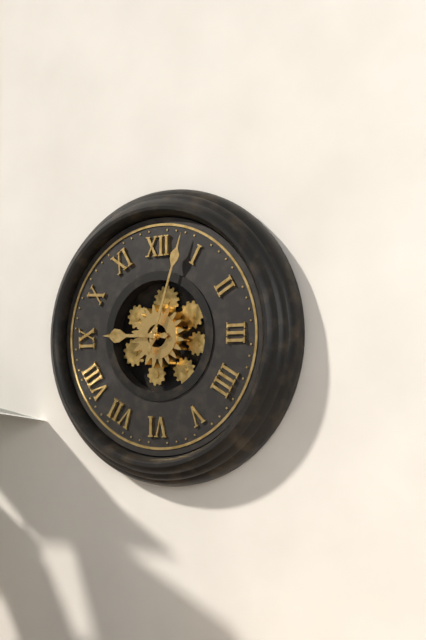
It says h=9 m=3
